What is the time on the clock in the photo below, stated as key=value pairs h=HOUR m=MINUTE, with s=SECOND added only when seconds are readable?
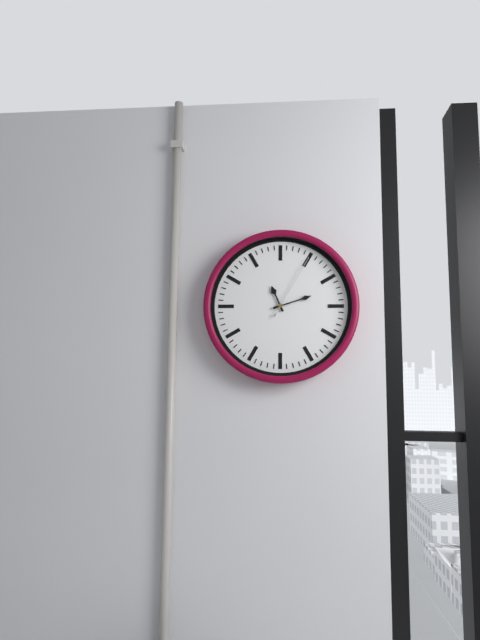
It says h=11 m=12 s=5
